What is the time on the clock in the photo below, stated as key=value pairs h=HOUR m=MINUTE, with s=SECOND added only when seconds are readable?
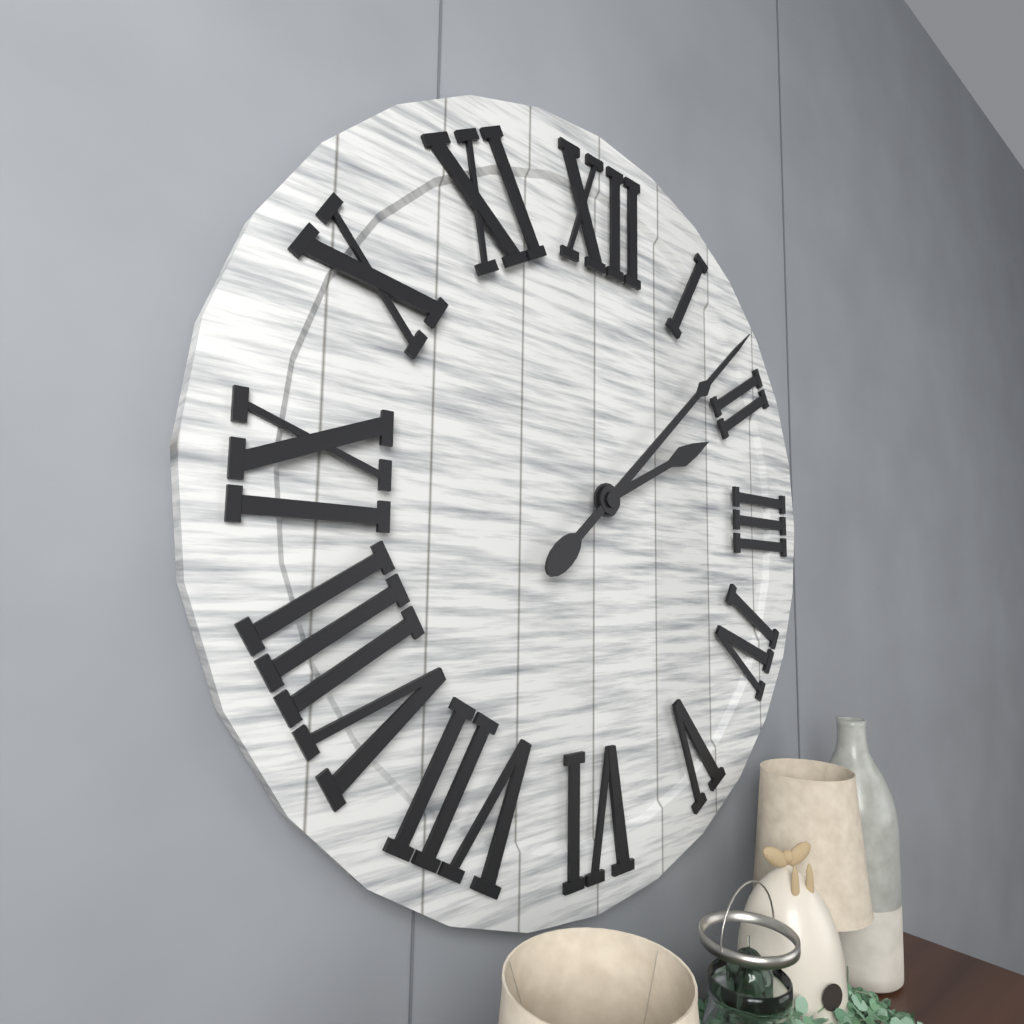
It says h=2 m=8
